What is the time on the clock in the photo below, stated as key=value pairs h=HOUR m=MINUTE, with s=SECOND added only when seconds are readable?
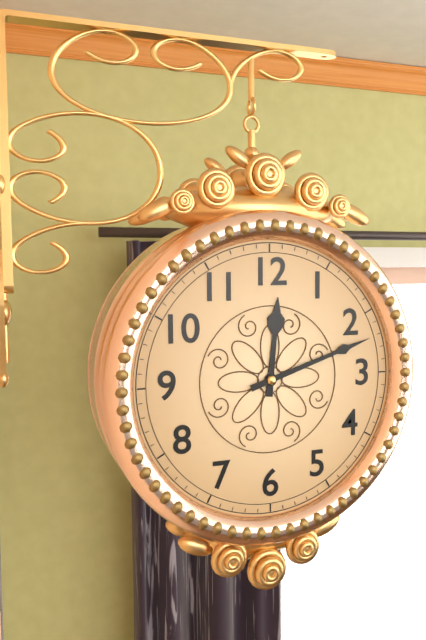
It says h=12 m=12
